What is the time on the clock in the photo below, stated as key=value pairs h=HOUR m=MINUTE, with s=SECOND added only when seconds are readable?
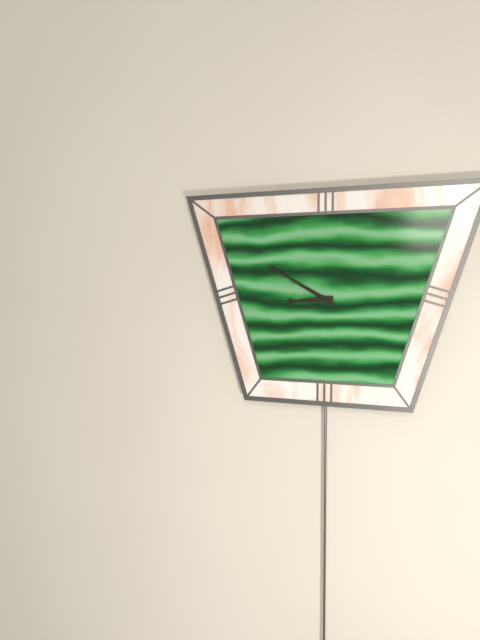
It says h=8 m=50
